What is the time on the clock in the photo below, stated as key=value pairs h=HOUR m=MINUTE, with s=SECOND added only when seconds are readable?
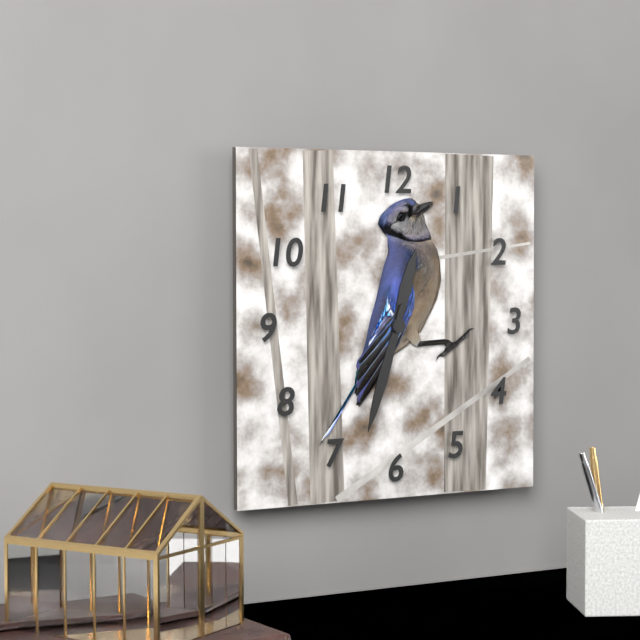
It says h=12 m=33
